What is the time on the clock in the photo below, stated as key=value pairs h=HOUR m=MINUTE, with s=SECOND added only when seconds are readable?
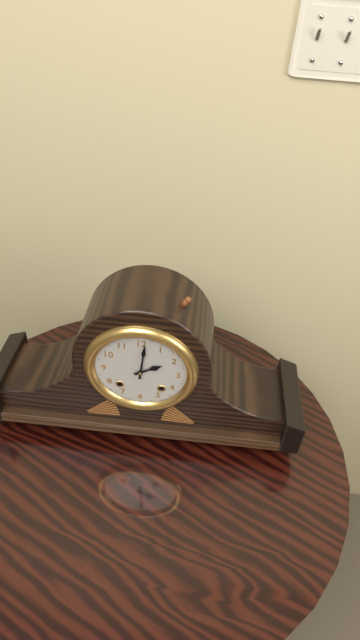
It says h=2 m=1
